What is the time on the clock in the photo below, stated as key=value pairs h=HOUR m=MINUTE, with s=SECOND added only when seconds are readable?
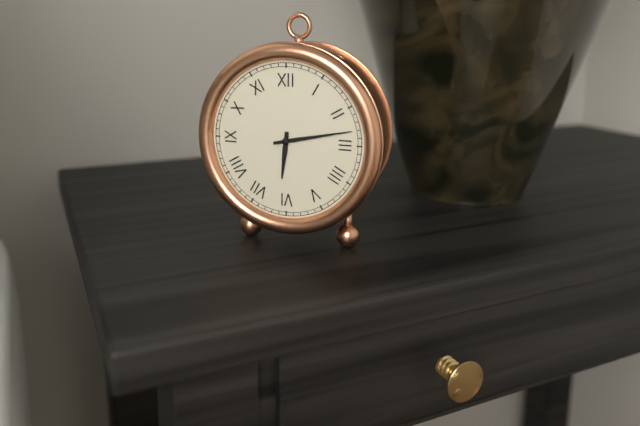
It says h=6 m=13
